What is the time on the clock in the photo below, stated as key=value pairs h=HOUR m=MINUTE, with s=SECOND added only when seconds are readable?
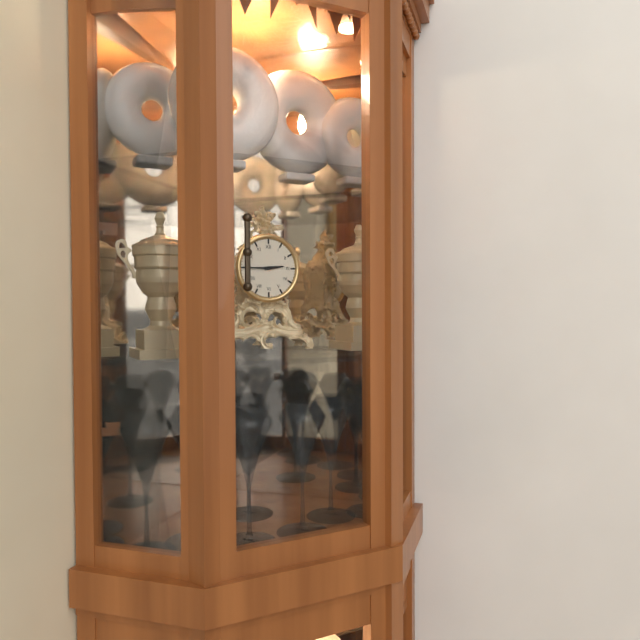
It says h=2 m=45
